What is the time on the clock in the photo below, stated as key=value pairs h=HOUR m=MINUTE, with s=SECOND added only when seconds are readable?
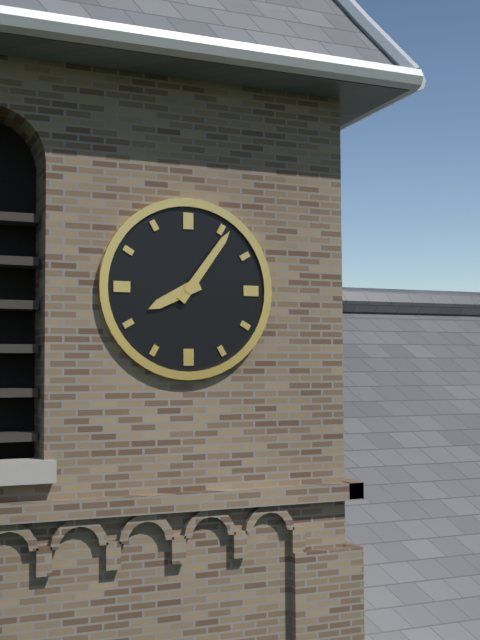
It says h=8 m=6
